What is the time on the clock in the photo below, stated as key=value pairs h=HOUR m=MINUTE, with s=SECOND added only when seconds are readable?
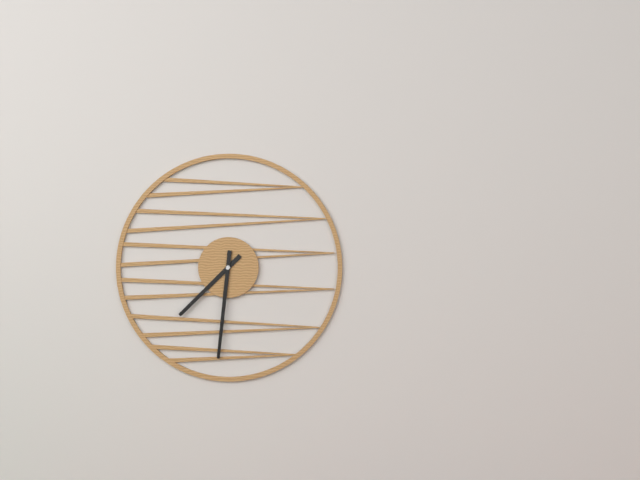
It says h=7 m=31
